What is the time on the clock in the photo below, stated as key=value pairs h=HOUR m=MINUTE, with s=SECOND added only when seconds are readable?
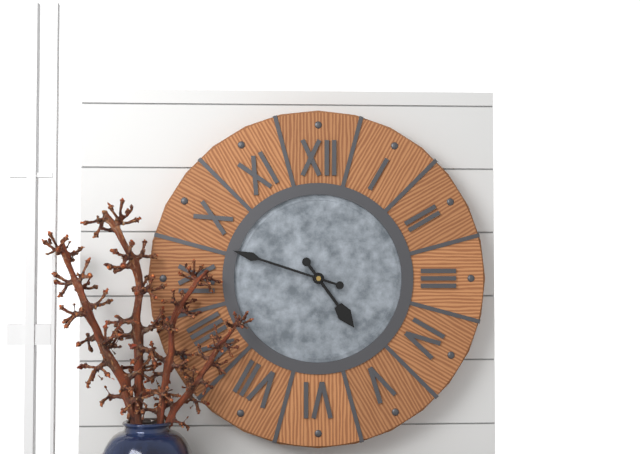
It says h=4 m=48
